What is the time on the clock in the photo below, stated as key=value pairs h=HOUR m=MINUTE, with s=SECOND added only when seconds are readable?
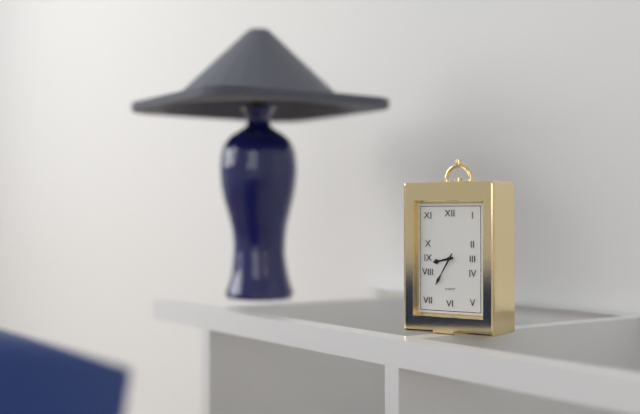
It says h=8 m=35
